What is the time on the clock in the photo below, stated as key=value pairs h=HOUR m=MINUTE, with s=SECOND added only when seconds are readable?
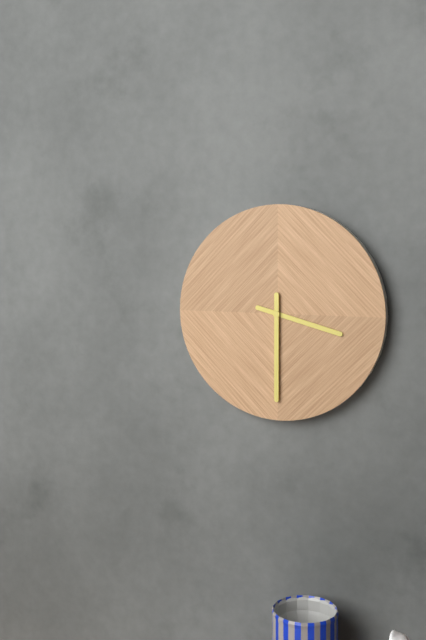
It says h=3 m=30
